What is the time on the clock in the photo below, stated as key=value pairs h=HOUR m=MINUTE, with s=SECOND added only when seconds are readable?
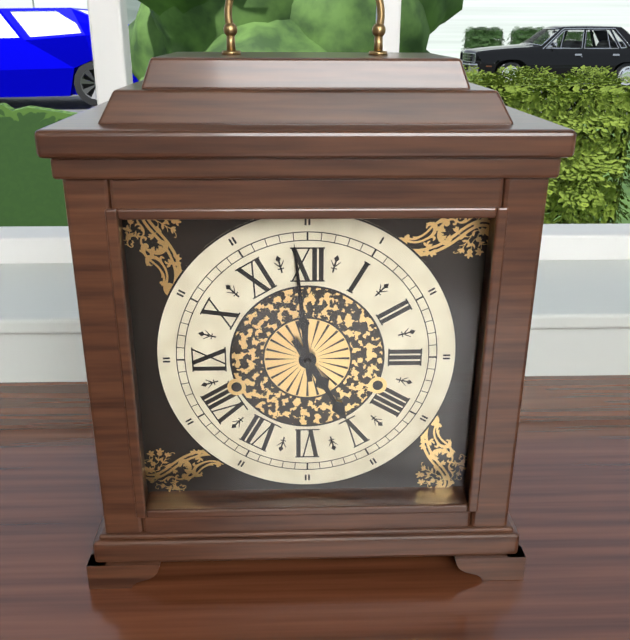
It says h=4 m=59
